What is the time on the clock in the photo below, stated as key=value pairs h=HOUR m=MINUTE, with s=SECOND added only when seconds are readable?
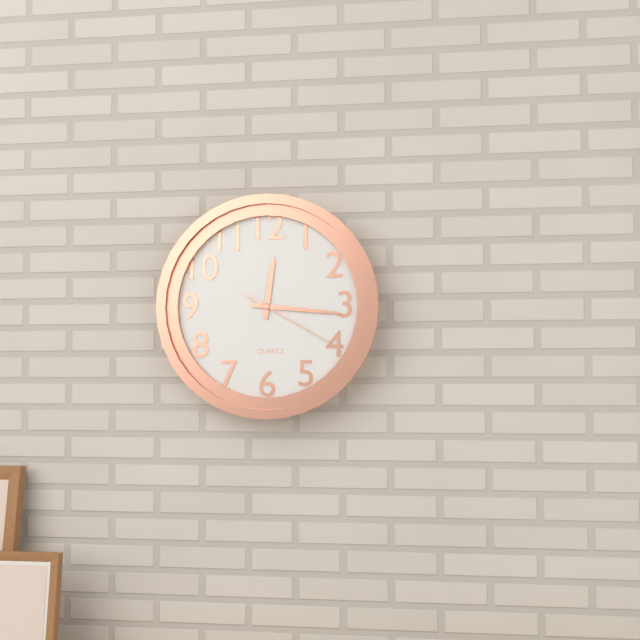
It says h=12 m=16 s=20
